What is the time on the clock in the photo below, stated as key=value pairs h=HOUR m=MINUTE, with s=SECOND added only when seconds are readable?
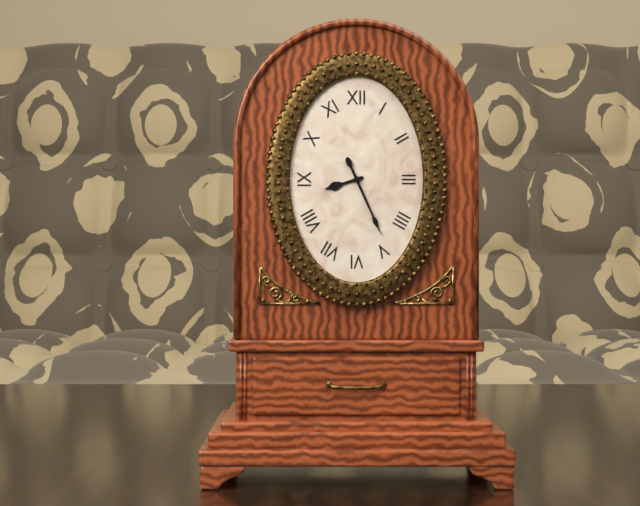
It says h=8 m=26
